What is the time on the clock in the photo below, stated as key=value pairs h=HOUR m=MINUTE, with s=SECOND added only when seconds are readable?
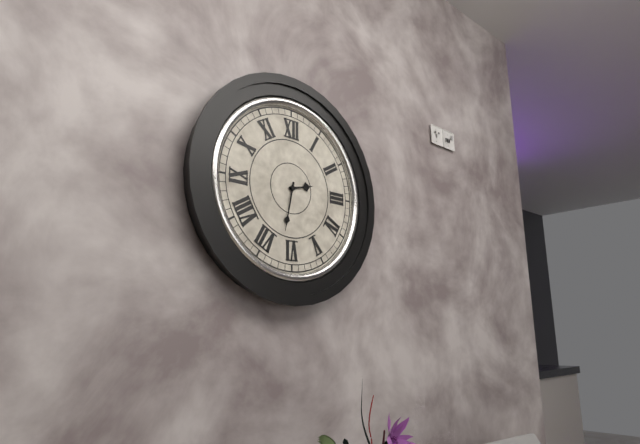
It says h=2 m=32
